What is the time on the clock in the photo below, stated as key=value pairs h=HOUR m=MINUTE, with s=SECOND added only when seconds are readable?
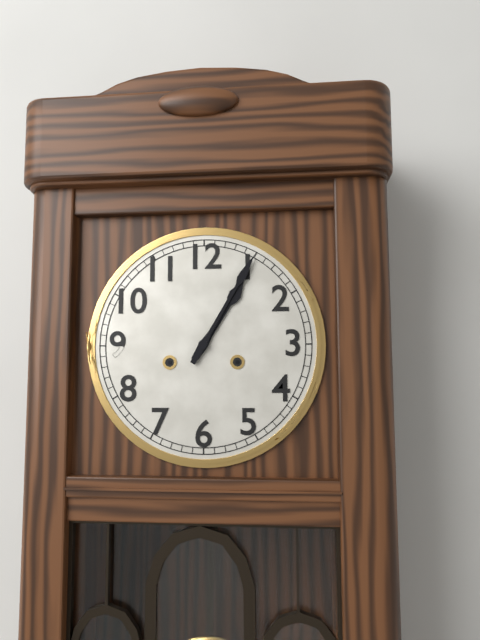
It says h=1 m=5
